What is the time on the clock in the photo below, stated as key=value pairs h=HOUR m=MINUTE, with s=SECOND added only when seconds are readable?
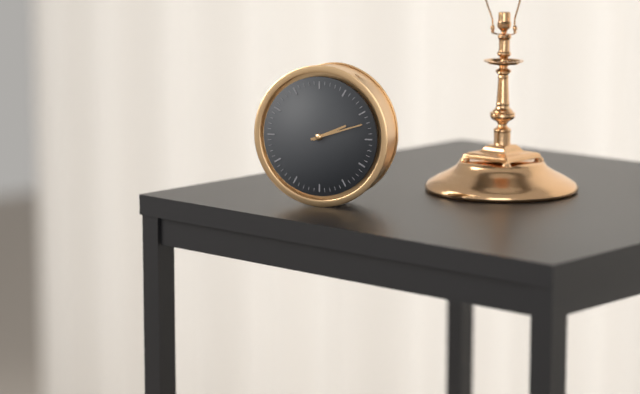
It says h=2 m=12
